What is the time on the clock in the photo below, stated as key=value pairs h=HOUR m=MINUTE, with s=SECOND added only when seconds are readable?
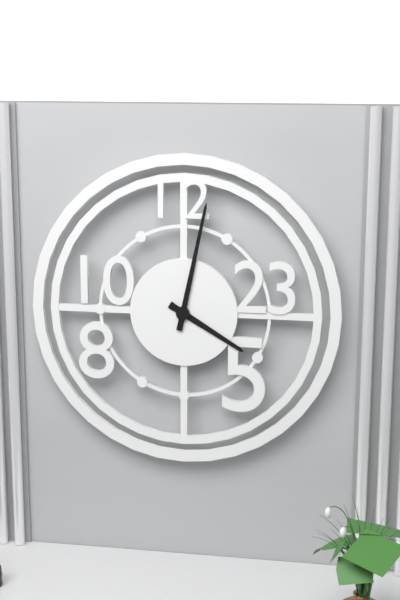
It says h=4 m=2
